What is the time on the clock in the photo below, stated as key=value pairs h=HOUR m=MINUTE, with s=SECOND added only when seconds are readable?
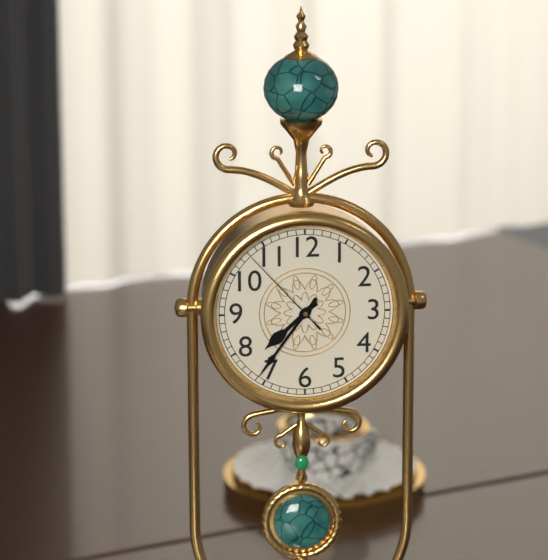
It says h=7 m=36 s=53
